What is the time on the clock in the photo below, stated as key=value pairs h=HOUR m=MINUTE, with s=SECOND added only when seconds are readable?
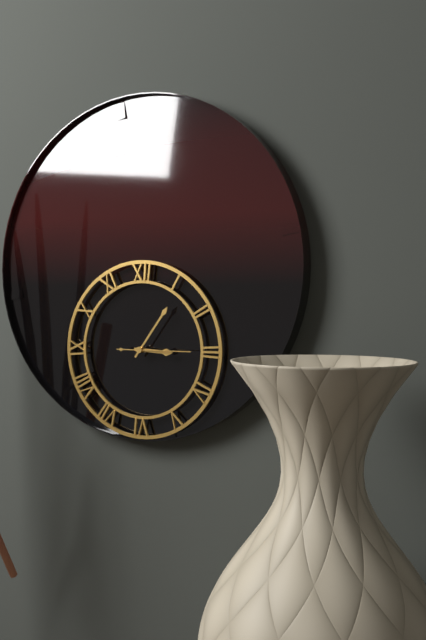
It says h=3 m=6 s=15
